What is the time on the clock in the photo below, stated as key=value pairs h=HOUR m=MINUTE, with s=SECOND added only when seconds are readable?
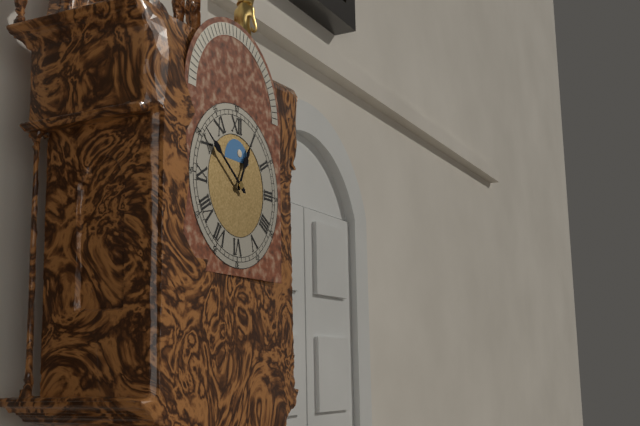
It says h=12 m=51
